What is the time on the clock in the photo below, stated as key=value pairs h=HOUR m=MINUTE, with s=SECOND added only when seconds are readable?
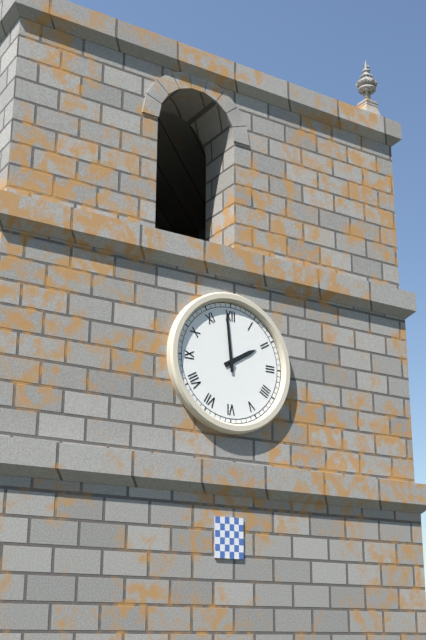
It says h=1 m=59
